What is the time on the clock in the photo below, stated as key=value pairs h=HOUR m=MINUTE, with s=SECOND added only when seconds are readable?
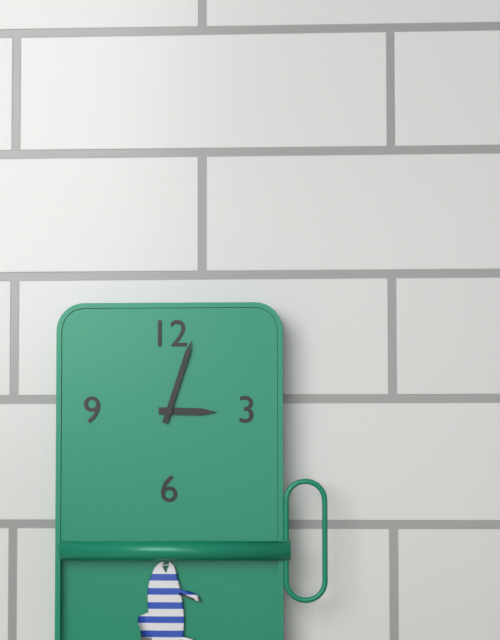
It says h=3 m=3
